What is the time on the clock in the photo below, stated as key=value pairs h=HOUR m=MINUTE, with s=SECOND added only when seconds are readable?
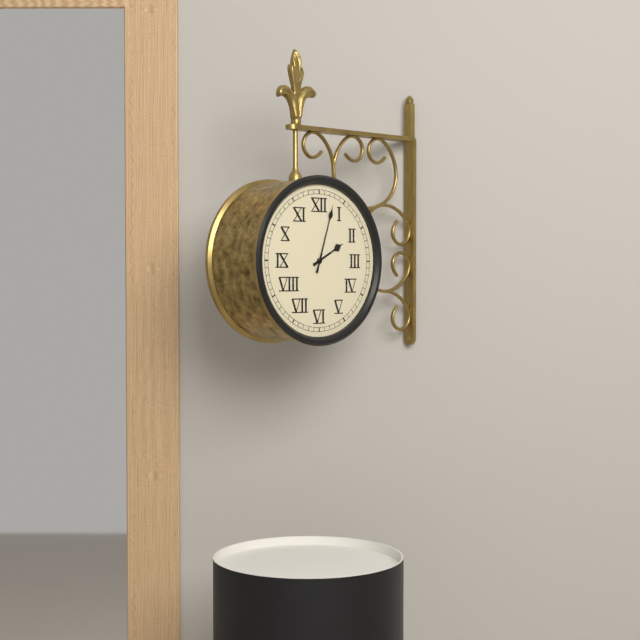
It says h=2 m=3
